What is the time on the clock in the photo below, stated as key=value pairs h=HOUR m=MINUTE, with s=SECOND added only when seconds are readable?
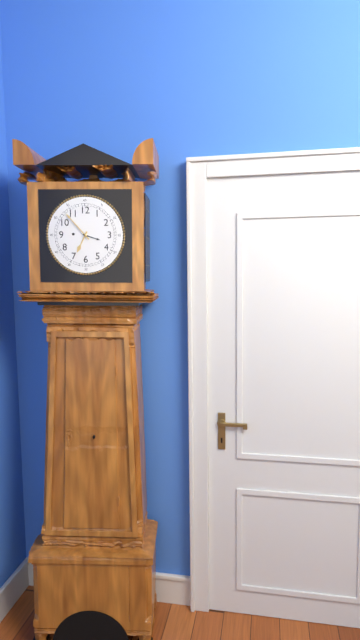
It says h=6 m=53
